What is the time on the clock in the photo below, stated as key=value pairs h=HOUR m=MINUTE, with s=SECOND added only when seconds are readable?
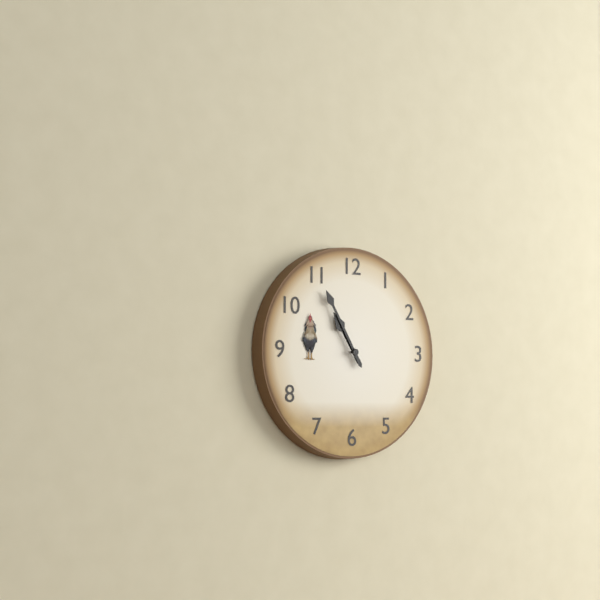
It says h=10 m=55
